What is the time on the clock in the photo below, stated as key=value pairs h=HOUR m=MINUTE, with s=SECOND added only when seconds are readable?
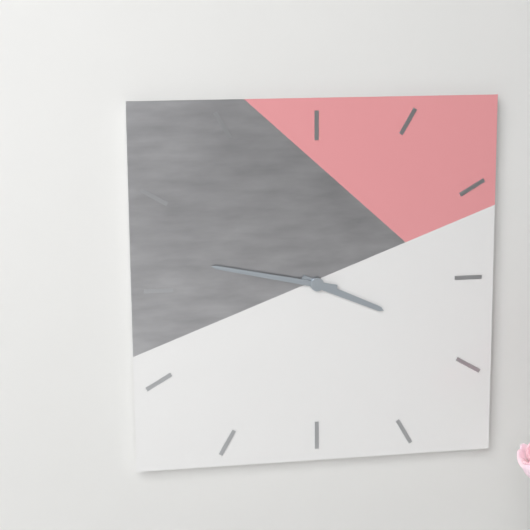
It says h=3 m=47
